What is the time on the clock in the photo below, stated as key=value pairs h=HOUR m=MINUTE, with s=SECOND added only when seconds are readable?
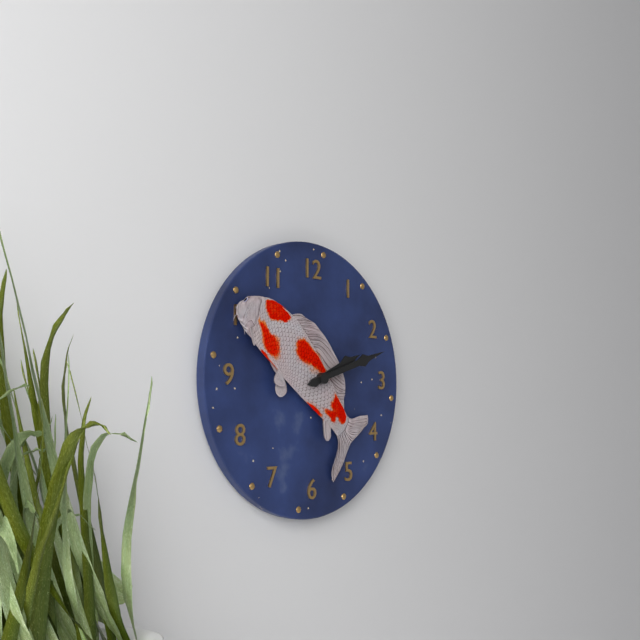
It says h=2 m=12
